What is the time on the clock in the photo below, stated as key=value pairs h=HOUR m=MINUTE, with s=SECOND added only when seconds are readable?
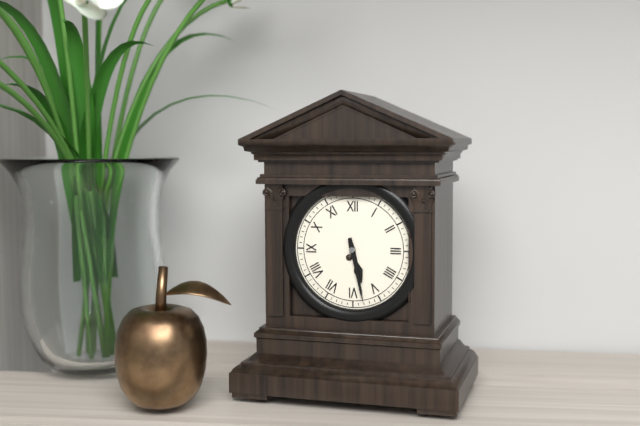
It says h=5 m=28
